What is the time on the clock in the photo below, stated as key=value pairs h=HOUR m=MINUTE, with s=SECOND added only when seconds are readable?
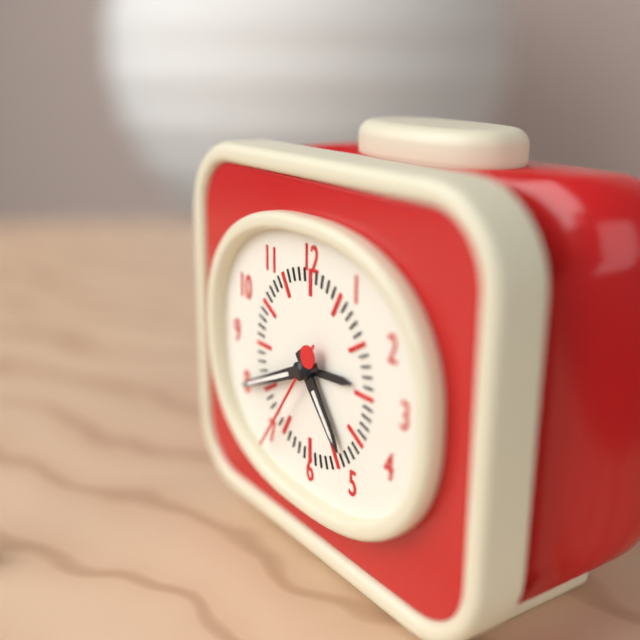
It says h=4 m=41 s=36
